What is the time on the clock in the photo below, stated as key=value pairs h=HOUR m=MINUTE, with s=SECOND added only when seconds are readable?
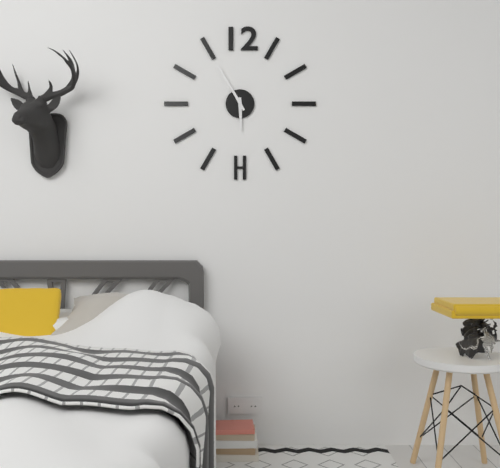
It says h=5 m=55
